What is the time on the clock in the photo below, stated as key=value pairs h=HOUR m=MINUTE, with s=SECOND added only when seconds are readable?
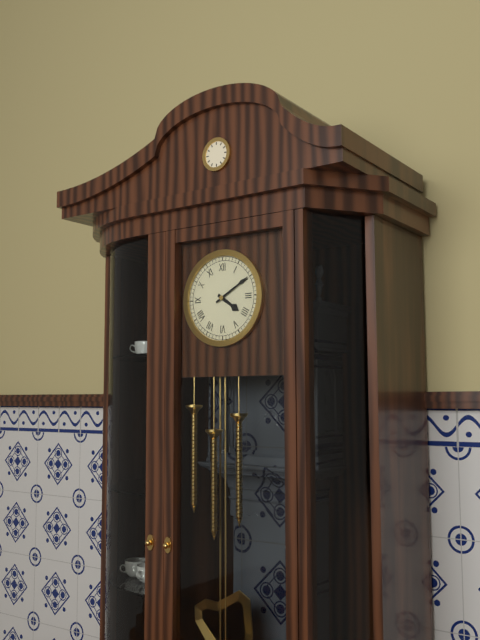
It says h=4 m=10
